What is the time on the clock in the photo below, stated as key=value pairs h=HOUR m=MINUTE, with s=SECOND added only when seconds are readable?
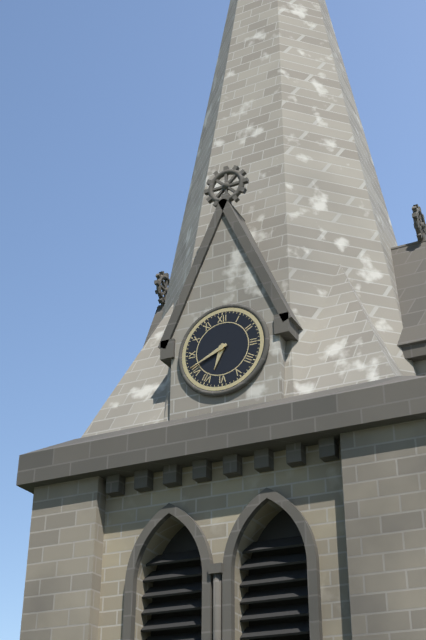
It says h=6 m=41
